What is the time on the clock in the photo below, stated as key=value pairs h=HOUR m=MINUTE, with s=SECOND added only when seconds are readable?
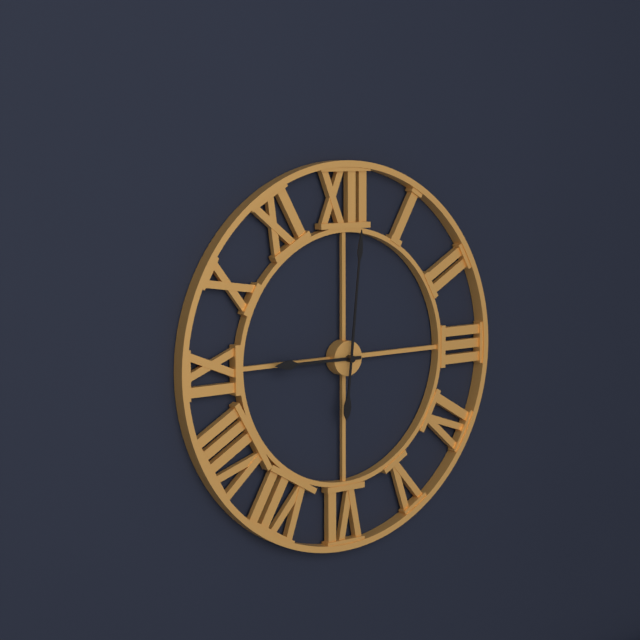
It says h=9 m=1
